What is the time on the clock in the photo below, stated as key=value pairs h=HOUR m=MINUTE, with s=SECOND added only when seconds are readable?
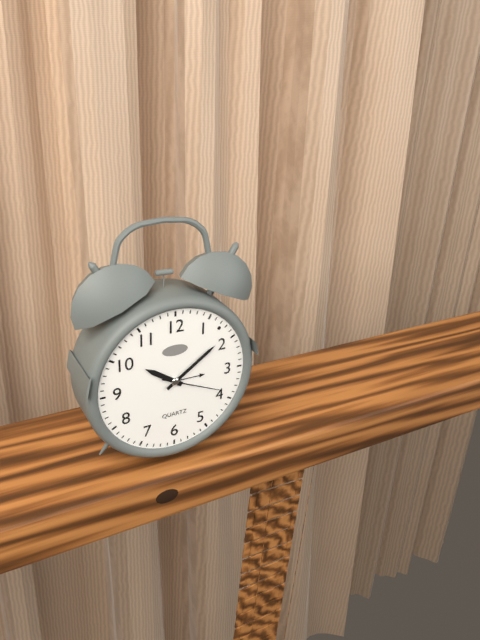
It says h=10 m=9 s=19
